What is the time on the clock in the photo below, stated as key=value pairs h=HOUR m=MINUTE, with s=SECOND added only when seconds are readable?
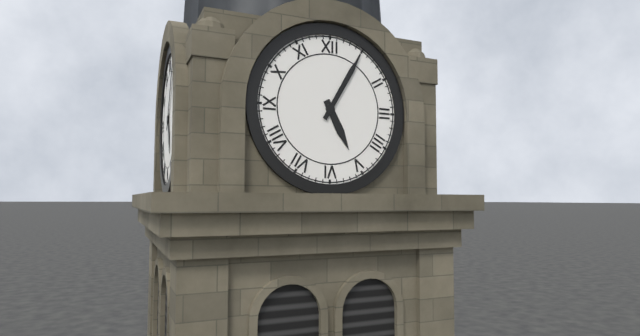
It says h=5 m=5
